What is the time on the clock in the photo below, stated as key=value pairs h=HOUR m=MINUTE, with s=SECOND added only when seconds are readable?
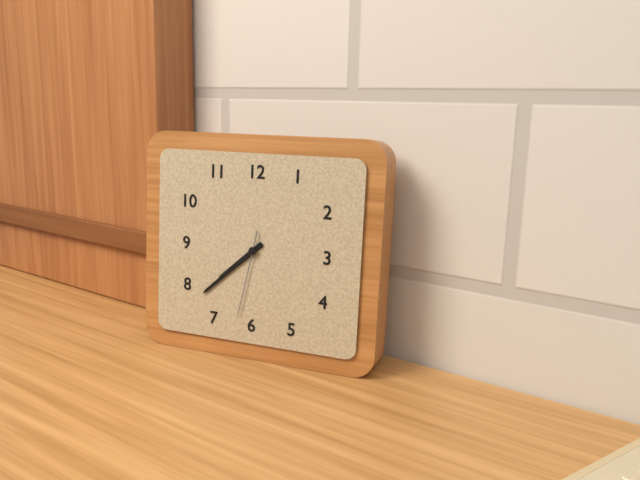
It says h=7 m=38 s=32
